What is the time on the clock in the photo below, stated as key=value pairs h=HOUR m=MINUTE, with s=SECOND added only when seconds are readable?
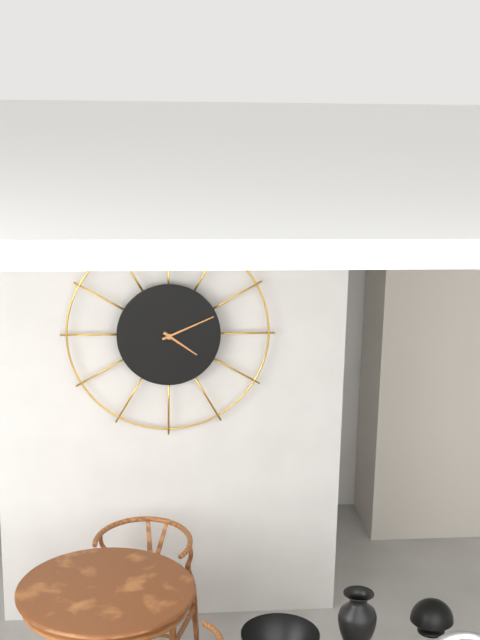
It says h=4 m=11
